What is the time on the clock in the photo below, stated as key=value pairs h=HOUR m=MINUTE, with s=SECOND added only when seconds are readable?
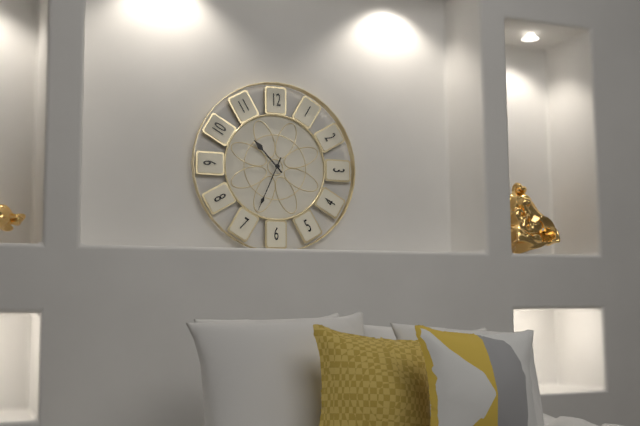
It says h=10 m=34
